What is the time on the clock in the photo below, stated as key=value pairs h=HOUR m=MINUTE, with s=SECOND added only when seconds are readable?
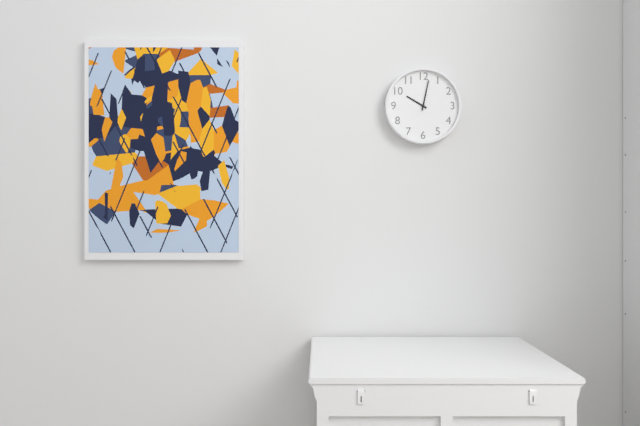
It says h=10 m=2
